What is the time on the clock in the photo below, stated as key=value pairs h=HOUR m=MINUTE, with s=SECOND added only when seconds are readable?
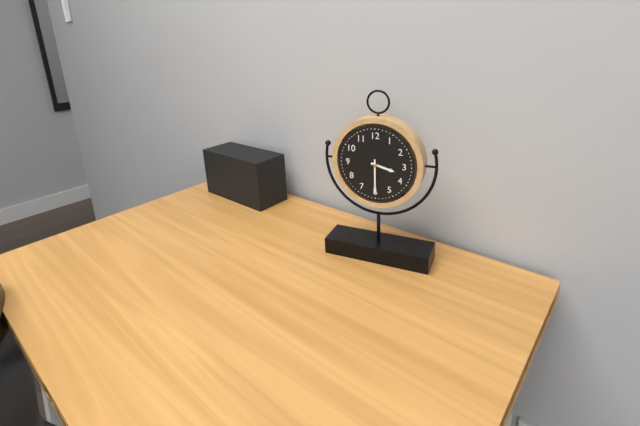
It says h=3 m=30
